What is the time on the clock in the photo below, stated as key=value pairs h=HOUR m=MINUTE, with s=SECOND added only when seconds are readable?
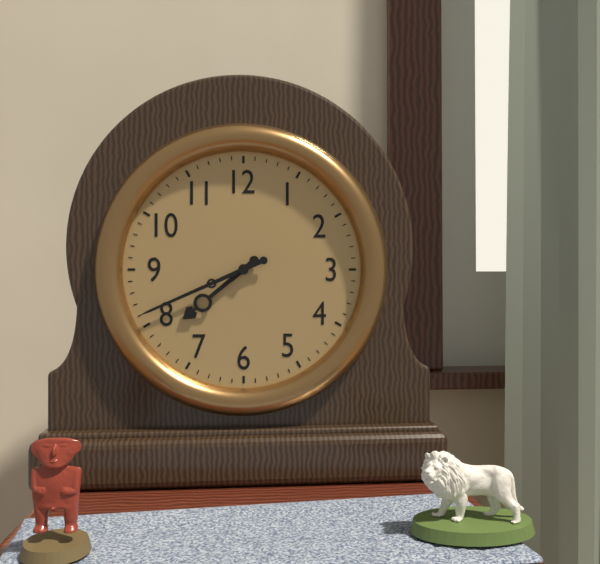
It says h=7 m=41
